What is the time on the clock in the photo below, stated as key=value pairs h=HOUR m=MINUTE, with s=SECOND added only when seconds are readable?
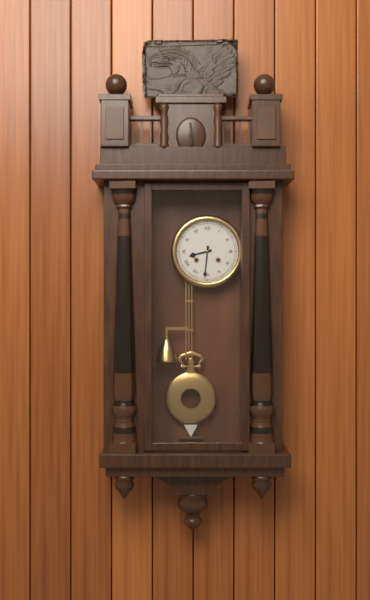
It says h=8 m=31
